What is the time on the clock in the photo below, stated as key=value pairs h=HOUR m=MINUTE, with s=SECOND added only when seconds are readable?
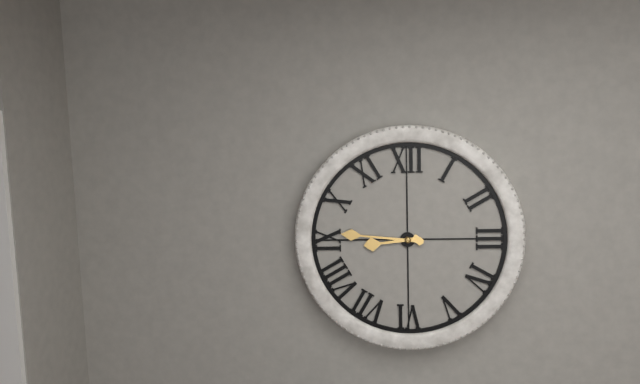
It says h=8 m=46
